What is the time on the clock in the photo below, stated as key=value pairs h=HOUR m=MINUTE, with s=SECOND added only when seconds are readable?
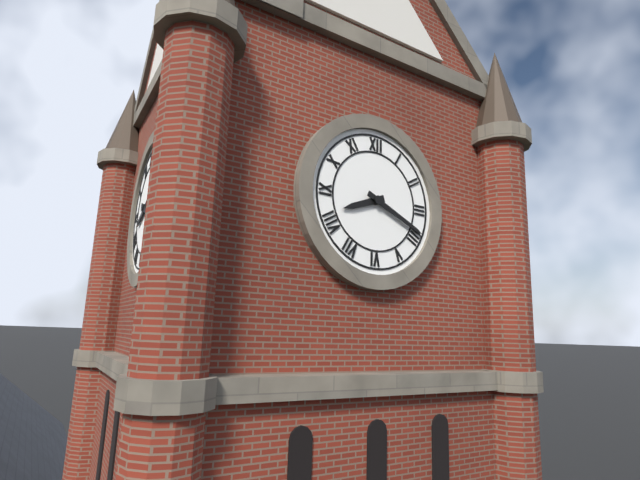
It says h=8 m=19
